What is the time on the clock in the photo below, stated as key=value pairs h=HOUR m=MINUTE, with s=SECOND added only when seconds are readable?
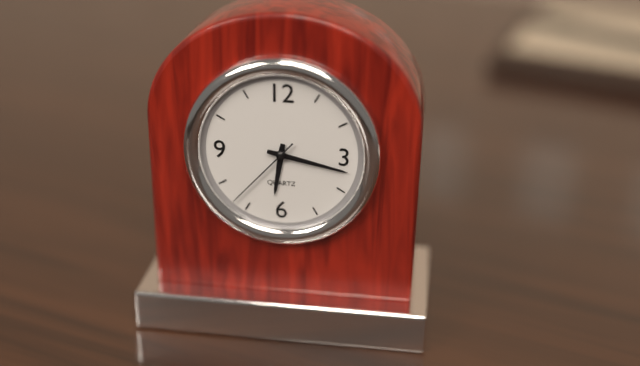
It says h=6 m=17 s=37
